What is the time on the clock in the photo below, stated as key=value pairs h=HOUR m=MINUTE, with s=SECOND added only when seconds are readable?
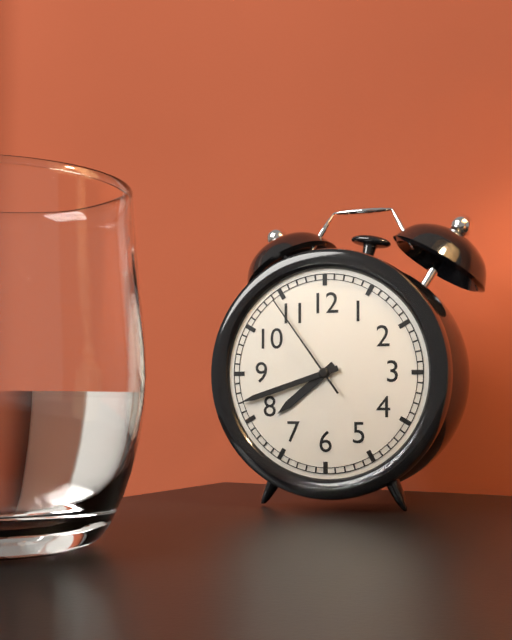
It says h=7 m=42 s=54
